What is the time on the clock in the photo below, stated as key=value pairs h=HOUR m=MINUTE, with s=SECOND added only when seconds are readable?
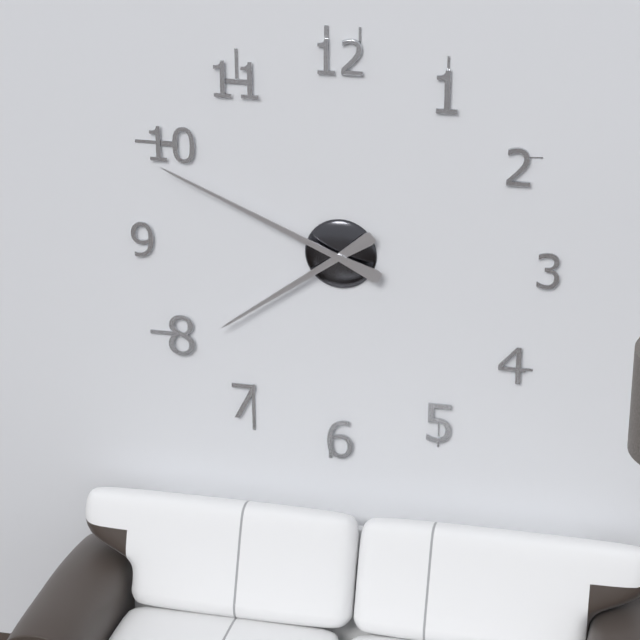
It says h=7 m=49
